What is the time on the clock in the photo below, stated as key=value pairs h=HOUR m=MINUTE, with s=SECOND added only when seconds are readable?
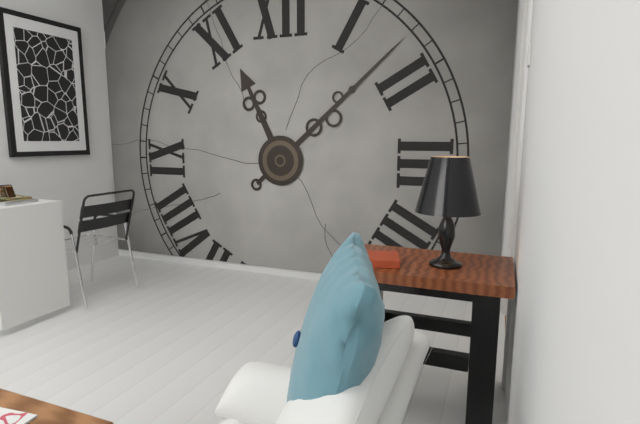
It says h=11 m=8
